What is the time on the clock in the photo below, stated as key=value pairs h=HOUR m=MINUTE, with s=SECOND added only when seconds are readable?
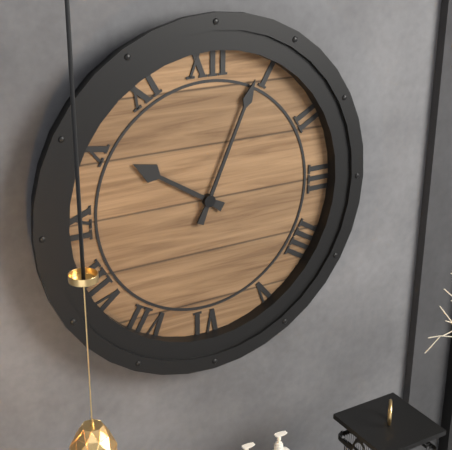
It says h=10 m=4
